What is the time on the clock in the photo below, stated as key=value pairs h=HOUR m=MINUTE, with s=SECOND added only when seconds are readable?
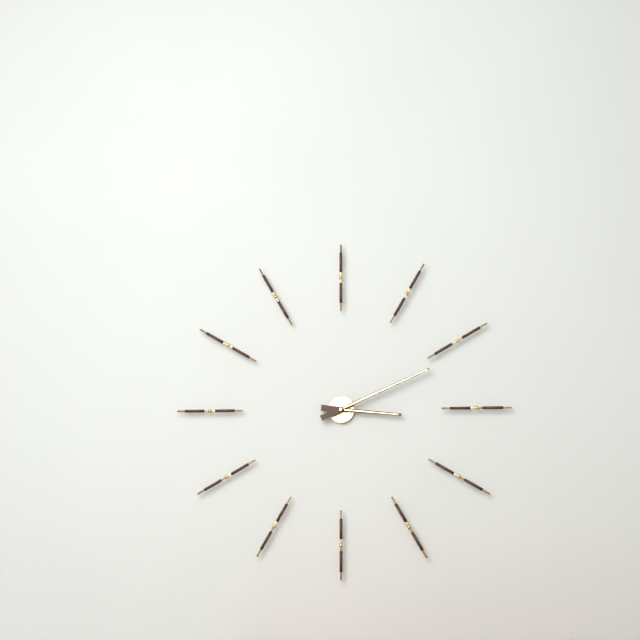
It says h=3 m=11
